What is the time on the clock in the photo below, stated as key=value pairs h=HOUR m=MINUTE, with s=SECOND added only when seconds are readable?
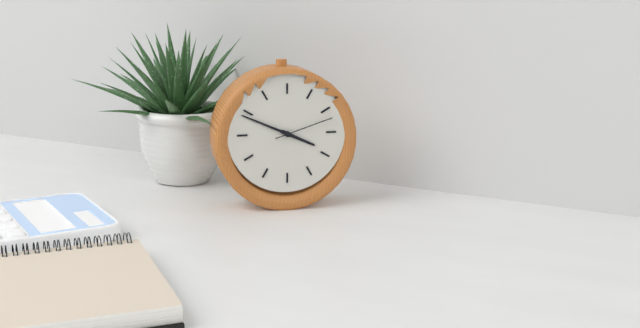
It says h=3 m=49 s=12
